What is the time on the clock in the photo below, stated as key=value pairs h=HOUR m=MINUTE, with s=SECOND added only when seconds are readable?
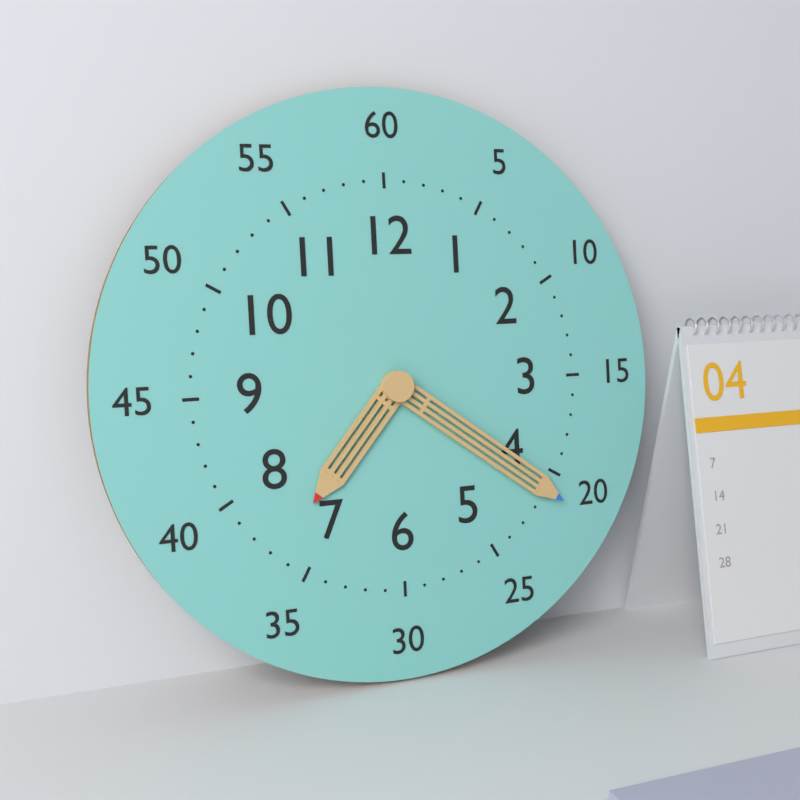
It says h=7 m=21
